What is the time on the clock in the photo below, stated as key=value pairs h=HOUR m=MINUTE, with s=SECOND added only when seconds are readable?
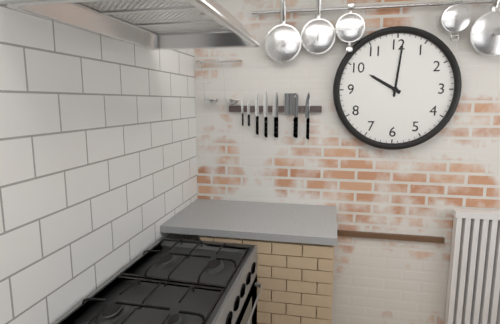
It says h=10 m=1
